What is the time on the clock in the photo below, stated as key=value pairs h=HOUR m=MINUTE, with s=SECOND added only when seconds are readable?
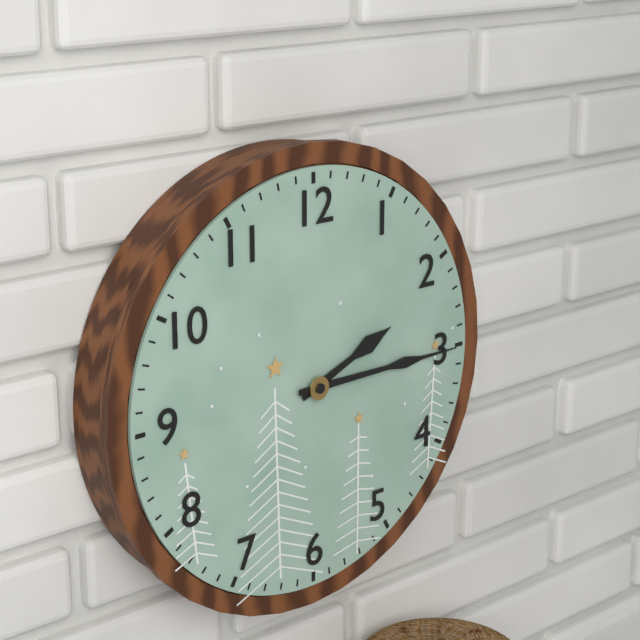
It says h=2 m=15
